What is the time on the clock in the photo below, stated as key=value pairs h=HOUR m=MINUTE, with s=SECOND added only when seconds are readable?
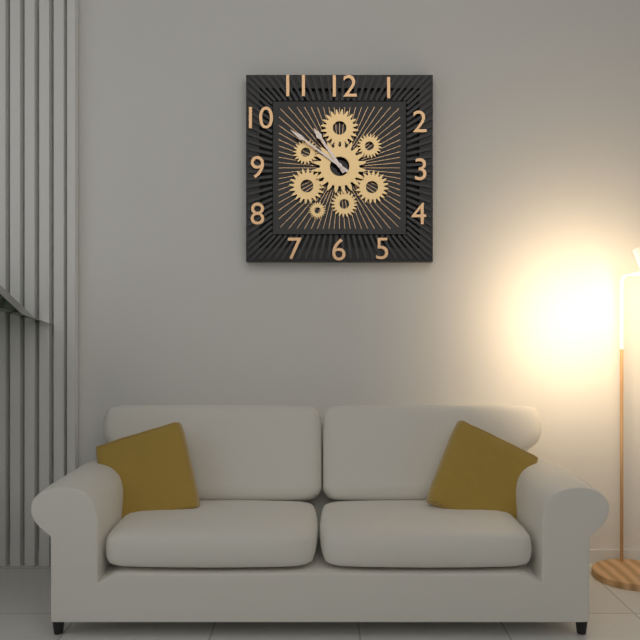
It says h=10 m=51
